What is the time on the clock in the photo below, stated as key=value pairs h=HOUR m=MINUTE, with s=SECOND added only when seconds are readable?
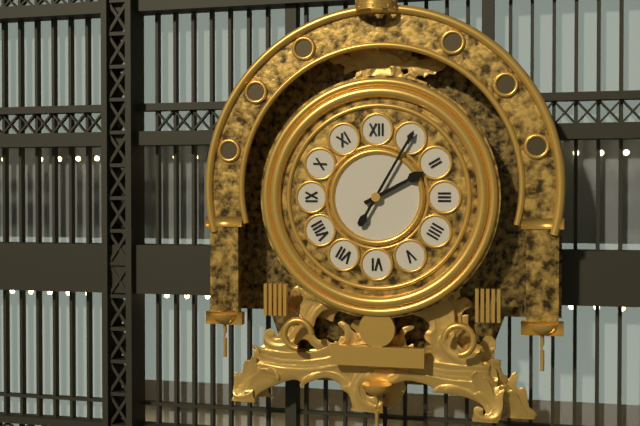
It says h=2 m=5
